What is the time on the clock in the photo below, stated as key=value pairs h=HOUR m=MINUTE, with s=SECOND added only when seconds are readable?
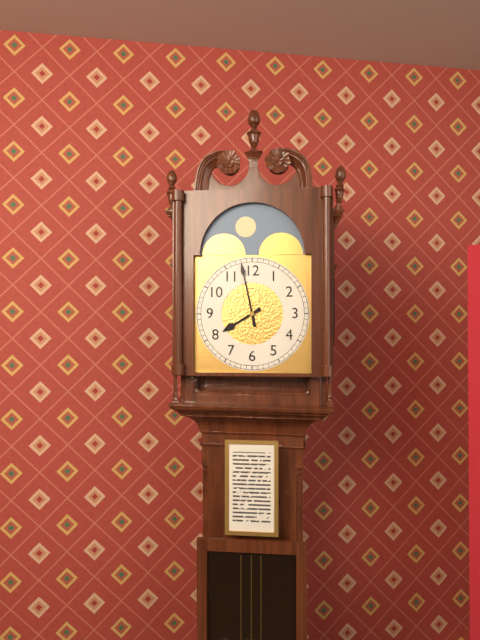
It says h=7 m=58
